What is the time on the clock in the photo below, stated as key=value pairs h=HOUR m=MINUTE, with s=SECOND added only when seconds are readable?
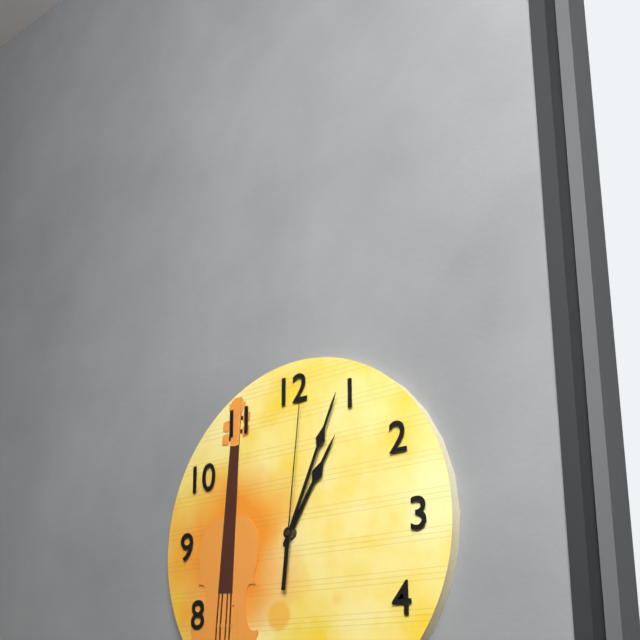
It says h=1 m=4 s=1
